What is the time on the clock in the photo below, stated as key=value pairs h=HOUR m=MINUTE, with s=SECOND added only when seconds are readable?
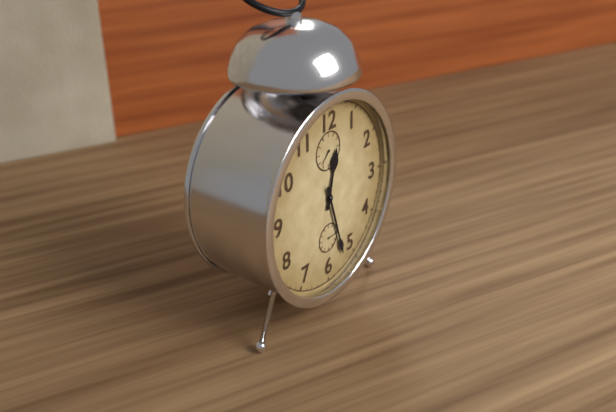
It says h=12 m=27
